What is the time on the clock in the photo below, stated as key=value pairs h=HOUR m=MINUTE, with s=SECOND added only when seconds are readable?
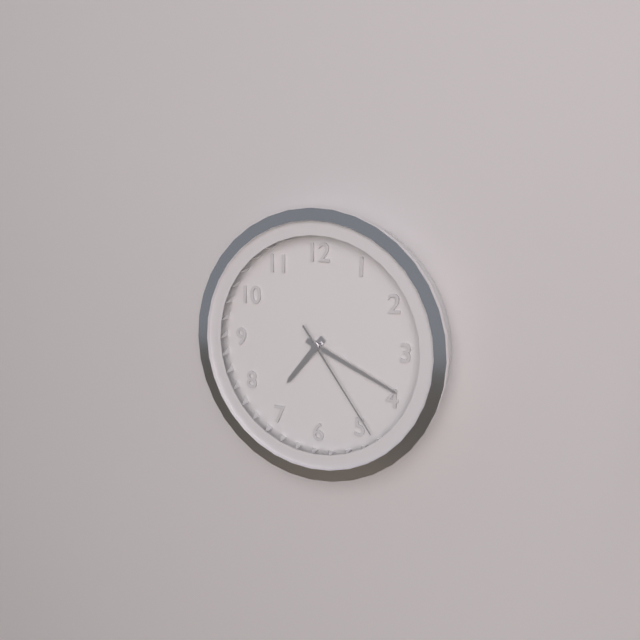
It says h=7 m=19 s=24
